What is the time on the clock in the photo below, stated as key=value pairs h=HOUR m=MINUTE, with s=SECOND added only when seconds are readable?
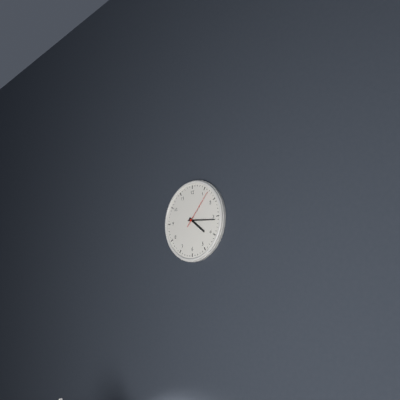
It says h=4 m=16
